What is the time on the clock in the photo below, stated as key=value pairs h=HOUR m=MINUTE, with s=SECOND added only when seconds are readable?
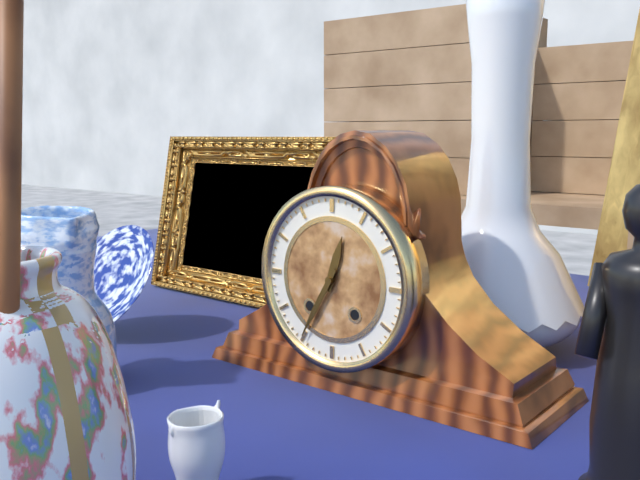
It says h=12 m=35
